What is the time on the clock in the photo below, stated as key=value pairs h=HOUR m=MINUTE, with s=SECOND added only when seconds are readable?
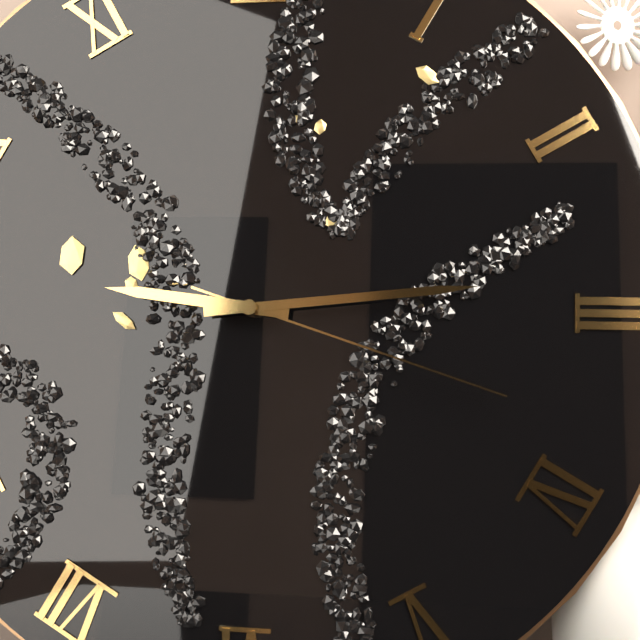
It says h=9 m=14 s=18
